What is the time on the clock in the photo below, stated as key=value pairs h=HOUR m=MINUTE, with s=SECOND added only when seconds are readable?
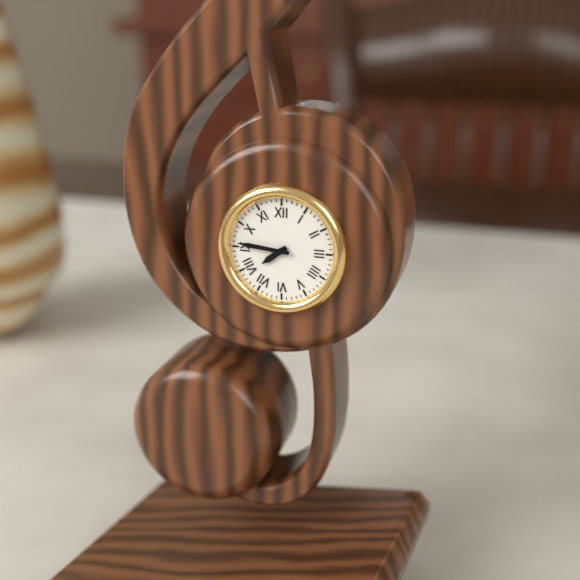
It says h=7 m=46
